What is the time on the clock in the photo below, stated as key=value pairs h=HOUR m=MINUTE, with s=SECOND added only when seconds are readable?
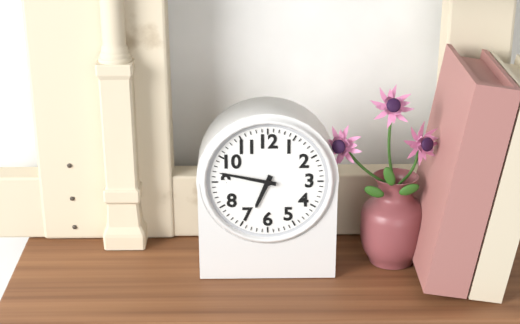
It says h=6 m=47
